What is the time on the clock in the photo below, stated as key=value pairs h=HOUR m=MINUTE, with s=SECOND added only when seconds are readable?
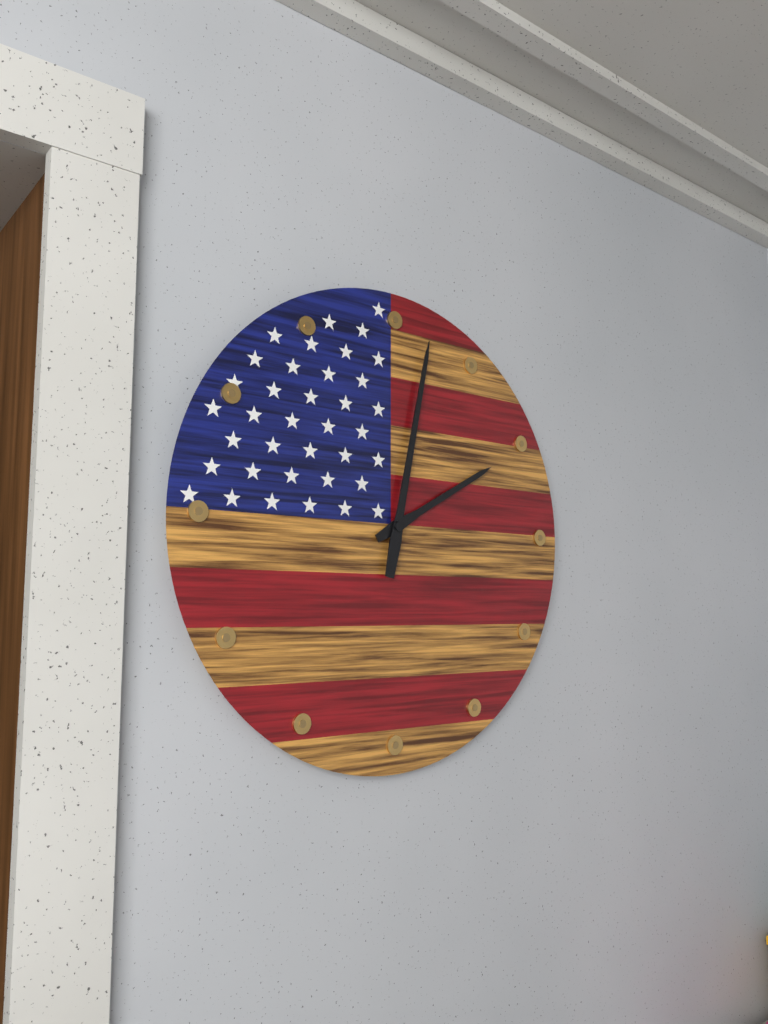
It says h=2 m=2
